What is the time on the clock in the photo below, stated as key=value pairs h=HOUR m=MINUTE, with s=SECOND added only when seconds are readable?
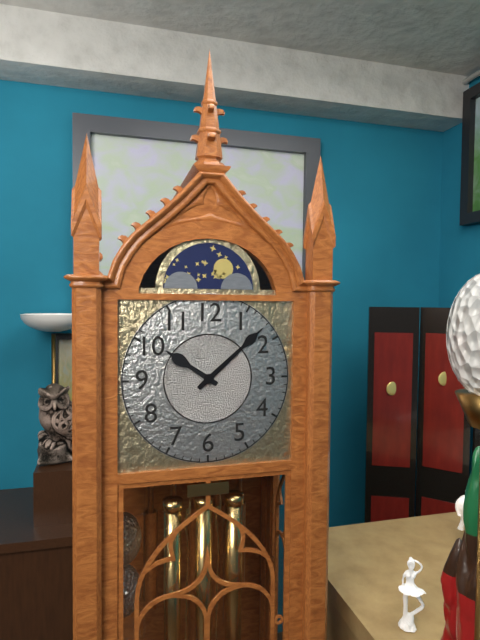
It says h=10 m=8
